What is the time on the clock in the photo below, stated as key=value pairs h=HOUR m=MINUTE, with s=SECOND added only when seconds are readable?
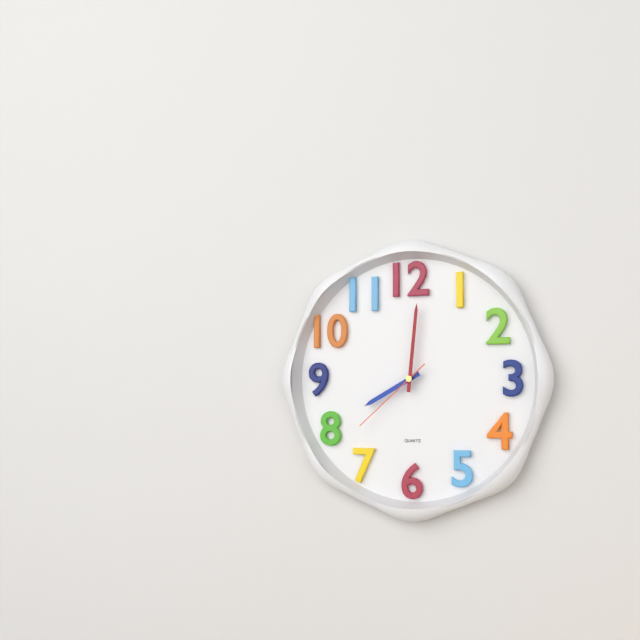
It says h=8 m=1 s=38
